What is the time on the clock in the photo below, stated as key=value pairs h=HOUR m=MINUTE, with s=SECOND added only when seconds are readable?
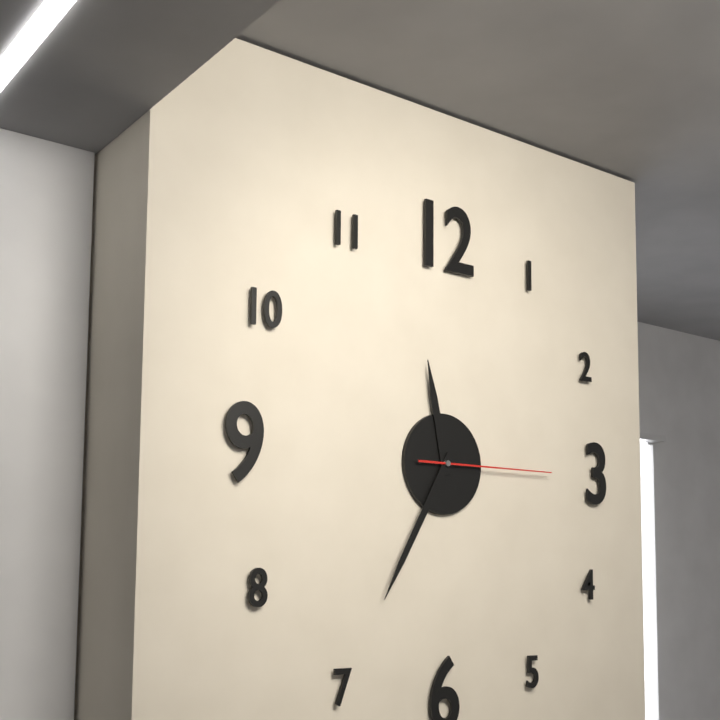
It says h=11 m=35 s=15
